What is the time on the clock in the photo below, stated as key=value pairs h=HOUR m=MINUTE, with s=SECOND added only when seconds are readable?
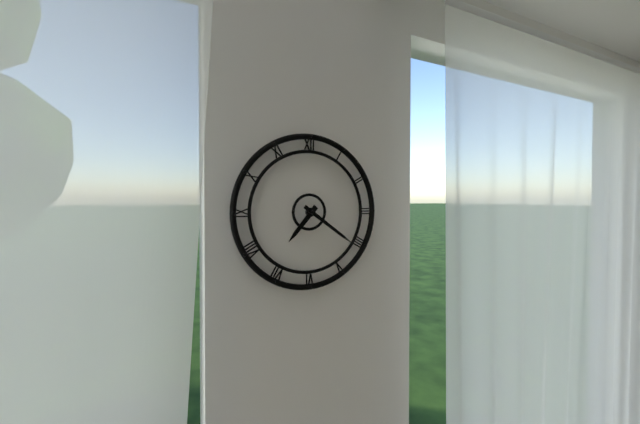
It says h=7 m=21
